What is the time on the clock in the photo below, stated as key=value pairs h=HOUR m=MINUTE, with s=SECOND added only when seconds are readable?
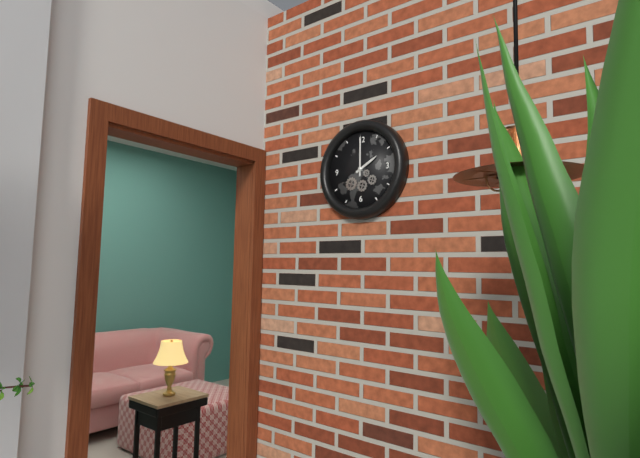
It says h=2 m=0
